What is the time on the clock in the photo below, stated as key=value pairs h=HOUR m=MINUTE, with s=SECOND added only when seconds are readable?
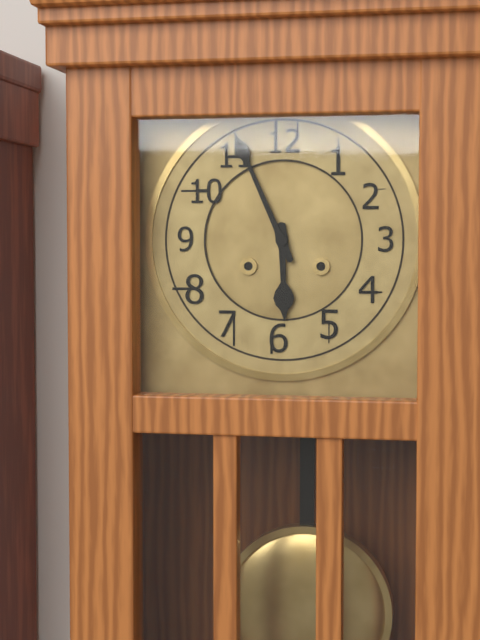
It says h=5 m=56
